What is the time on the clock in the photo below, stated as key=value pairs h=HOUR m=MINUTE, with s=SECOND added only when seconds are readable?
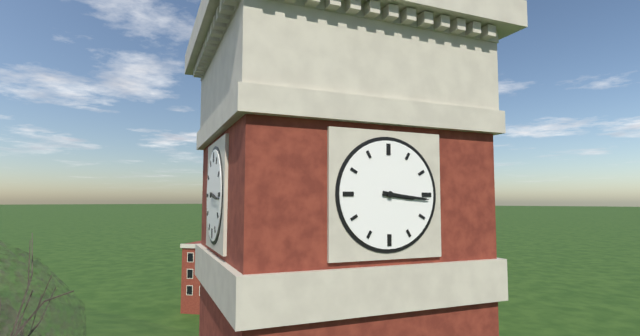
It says h=3 m=16
